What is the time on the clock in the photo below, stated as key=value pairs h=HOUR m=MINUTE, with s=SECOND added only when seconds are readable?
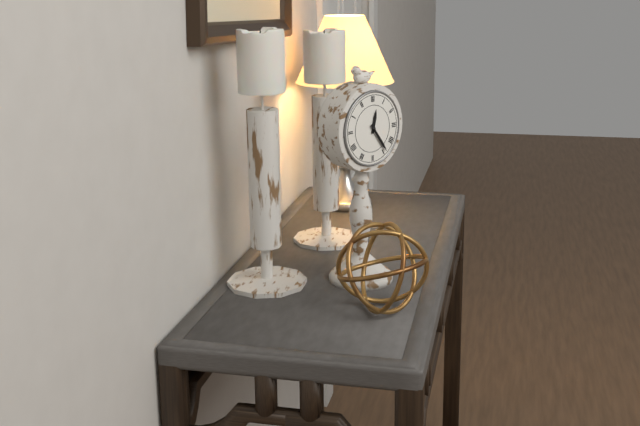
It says h=12 m=24
